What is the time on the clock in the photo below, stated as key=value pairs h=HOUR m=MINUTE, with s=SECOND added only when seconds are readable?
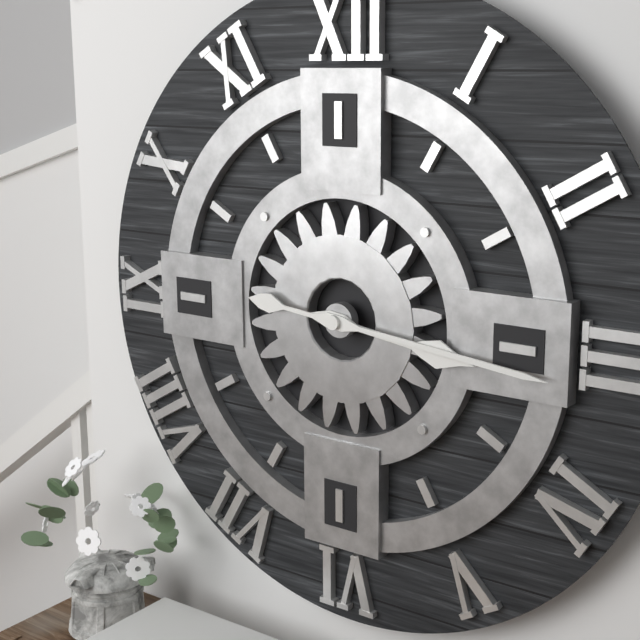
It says h=3 m=16
